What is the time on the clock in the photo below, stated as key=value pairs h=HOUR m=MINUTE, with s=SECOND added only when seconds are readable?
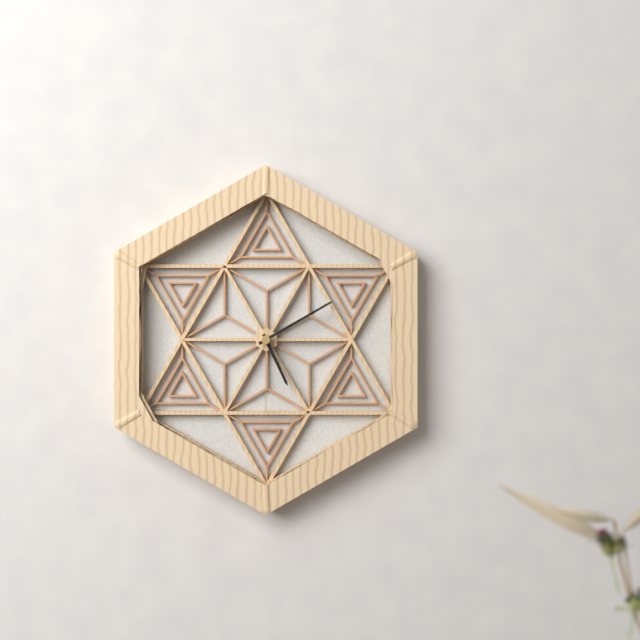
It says h=5 m=10 s=30
